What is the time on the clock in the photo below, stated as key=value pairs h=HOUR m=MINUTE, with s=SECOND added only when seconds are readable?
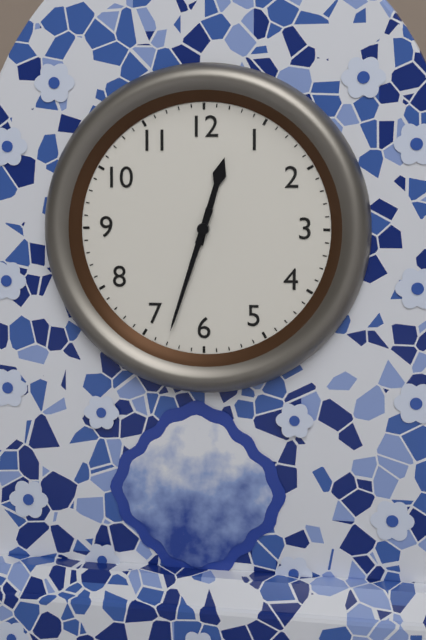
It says h=12 m=33
